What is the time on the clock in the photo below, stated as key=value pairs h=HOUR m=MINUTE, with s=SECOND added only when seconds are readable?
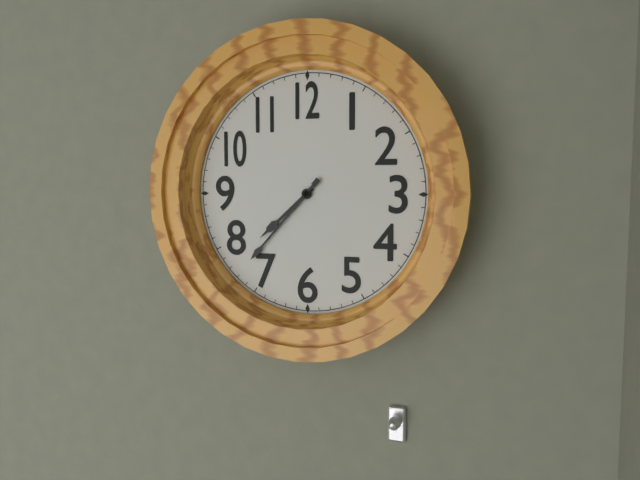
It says h=7 m=37
